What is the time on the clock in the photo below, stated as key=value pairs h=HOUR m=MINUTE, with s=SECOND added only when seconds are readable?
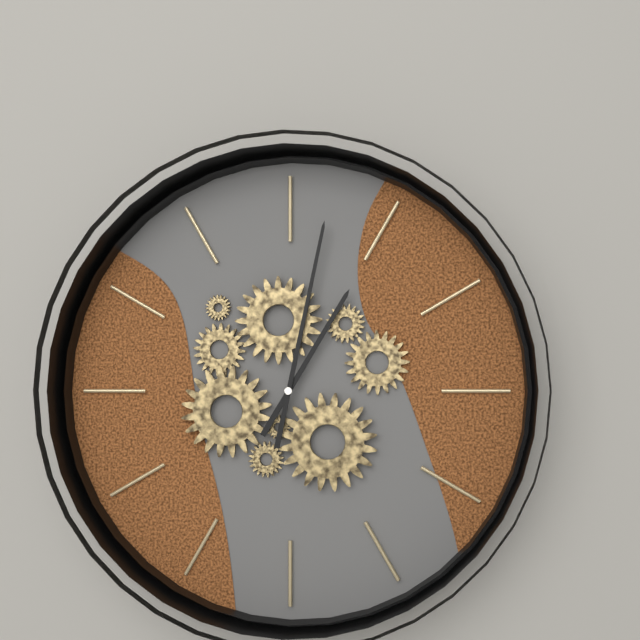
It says h=1 m=2
